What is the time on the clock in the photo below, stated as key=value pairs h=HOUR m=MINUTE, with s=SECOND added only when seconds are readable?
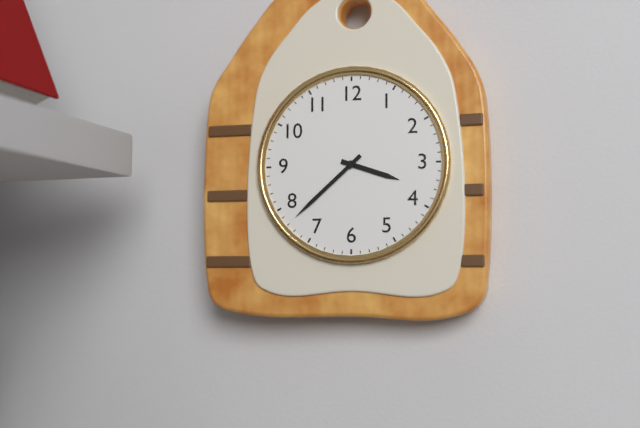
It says h=3 m=38
